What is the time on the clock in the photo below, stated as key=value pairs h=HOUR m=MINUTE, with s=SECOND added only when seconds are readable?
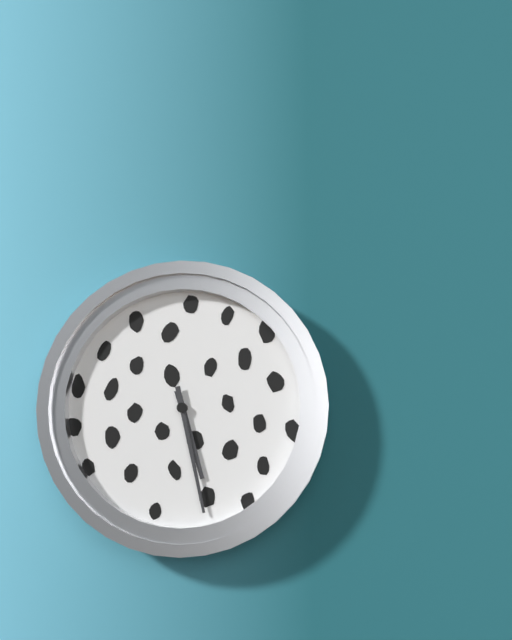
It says h=5 m=28
